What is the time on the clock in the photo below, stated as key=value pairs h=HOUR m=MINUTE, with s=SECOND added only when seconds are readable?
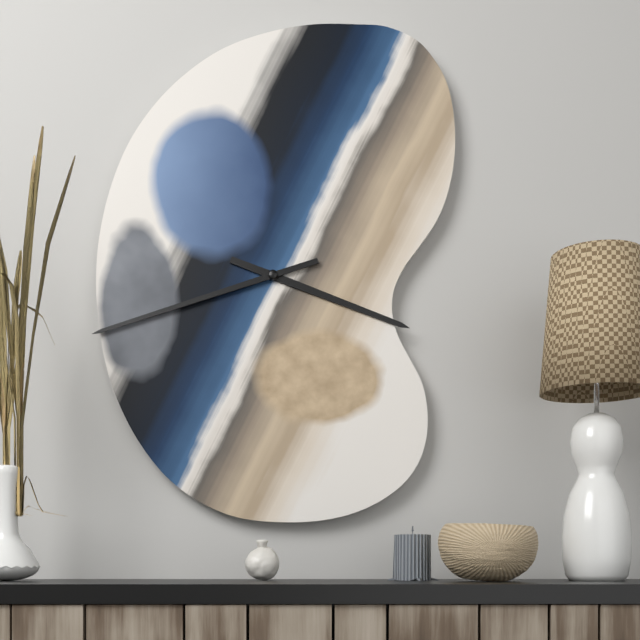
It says h=3 m=42
